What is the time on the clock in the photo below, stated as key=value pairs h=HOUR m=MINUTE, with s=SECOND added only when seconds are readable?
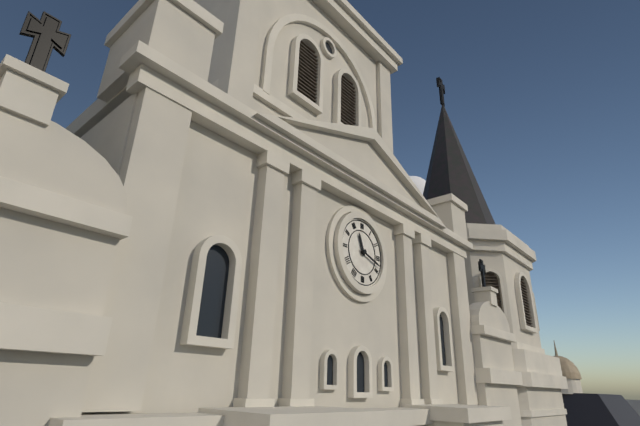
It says h=11 m=18
